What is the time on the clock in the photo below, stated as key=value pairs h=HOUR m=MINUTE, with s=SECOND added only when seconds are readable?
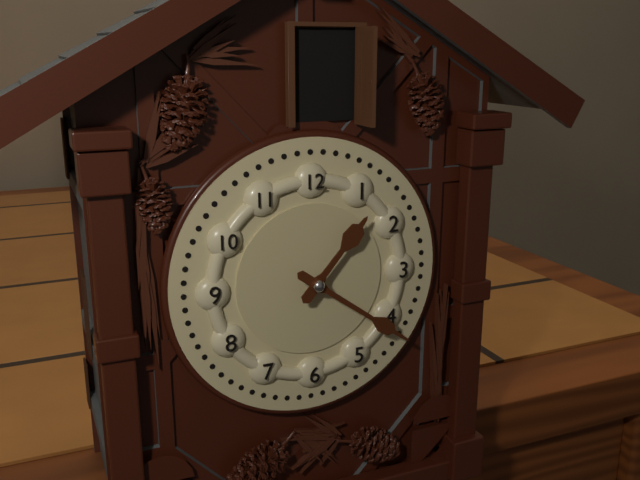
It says h=1 m=21
